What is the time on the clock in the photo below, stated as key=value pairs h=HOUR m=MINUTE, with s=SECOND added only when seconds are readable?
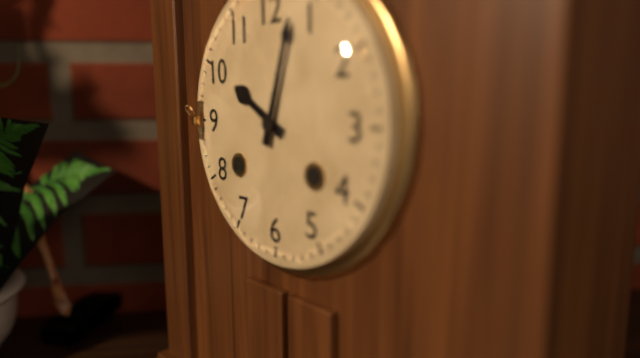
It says h=10 m=3
